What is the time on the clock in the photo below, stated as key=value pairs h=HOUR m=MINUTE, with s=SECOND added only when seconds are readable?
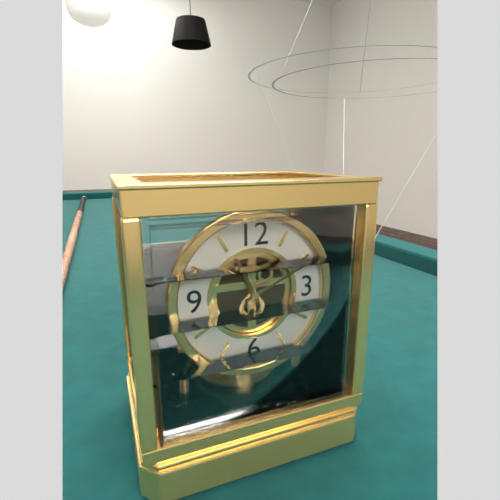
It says h=11 m=11
